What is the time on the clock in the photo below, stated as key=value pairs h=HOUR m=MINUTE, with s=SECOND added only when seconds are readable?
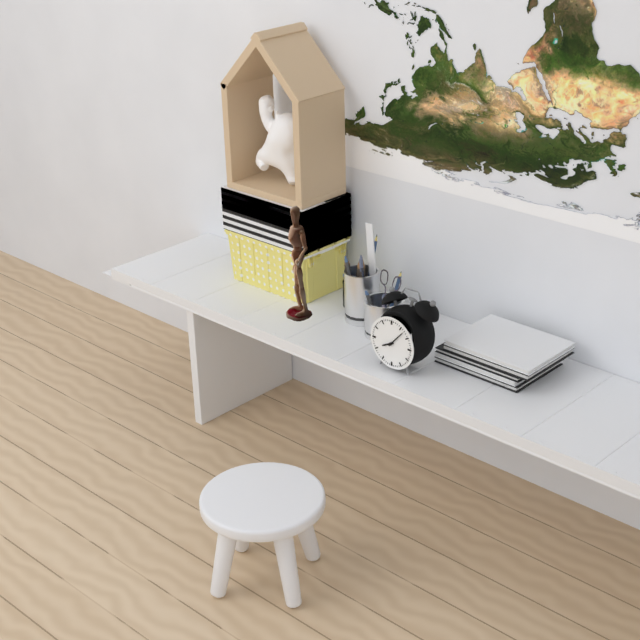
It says h=8 m=7
